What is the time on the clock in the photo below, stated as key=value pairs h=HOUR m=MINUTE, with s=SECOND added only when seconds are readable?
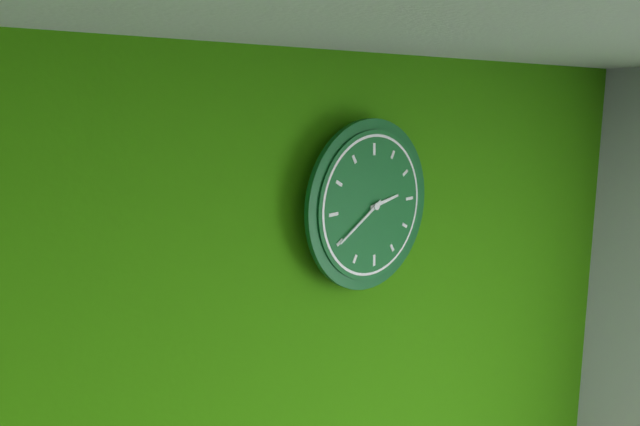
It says h=2 m=40
